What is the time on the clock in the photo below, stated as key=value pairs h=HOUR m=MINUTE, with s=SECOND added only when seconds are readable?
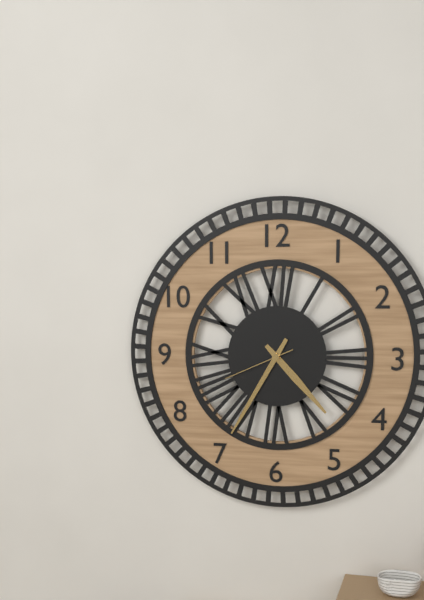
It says h=4 m=35 s=41
